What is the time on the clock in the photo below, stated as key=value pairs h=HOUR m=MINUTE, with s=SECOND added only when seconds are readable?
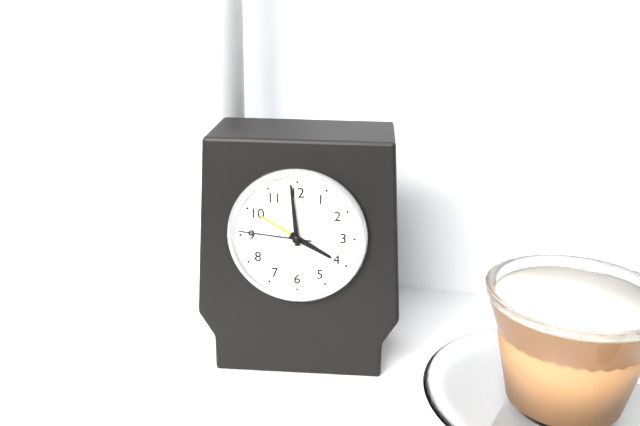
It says h=3 m=59 s=46
